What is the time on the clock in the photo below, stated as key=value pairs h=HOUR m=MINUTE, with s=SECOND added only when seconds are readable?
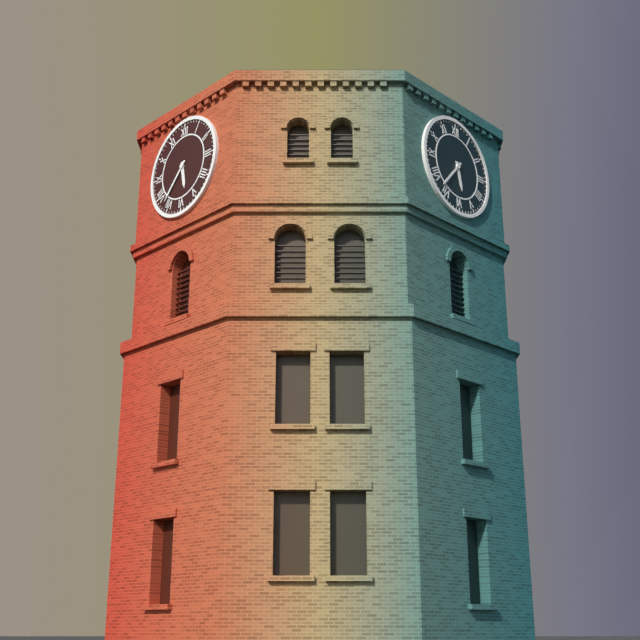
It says h=5 m=37
